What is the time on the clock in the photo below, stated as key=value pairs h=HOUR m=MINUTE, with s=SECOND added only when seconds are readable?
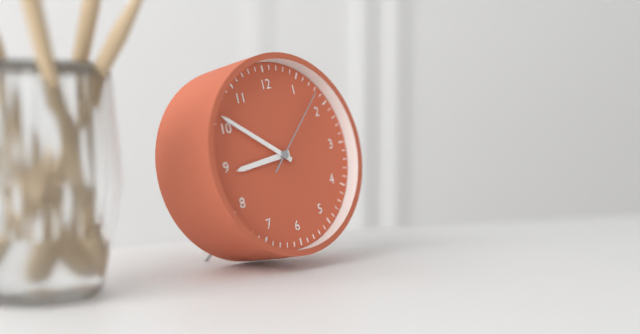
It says h=8 m=51 s=8
